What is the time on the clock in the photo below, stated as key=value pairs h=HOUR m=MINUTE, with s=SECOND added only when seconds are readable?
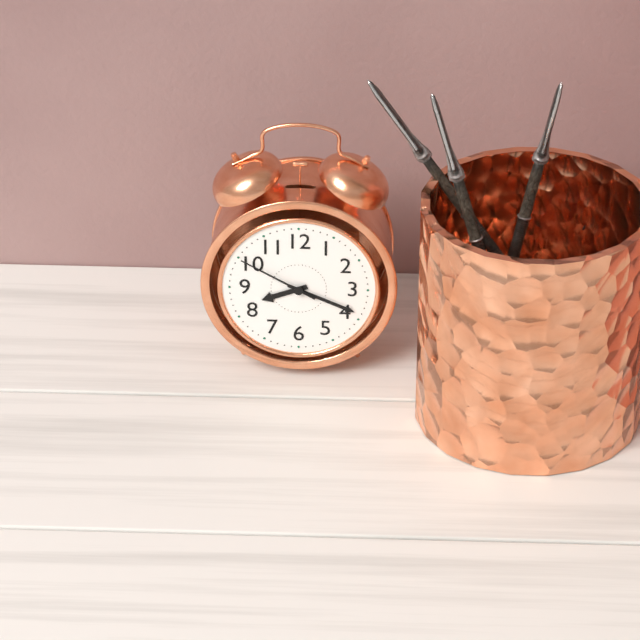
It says h=8 m=19 s=50
